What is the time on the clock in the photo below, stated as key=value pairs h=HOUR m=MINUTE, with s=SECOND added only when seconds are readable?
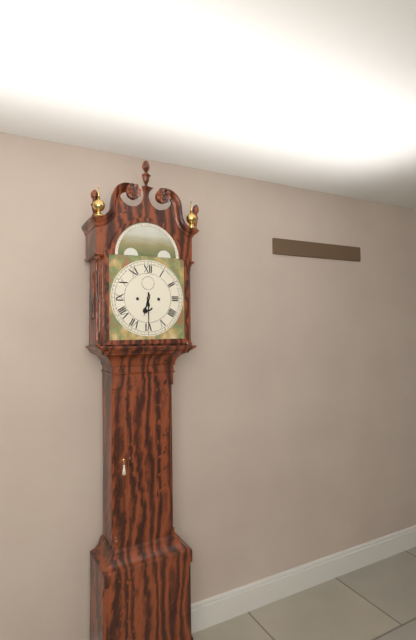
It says h=6 m=30
